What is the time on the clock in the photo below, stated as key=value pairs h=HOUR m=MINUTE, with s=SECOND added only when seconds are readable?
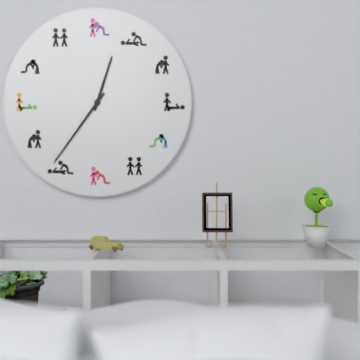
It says h=12 m=36
